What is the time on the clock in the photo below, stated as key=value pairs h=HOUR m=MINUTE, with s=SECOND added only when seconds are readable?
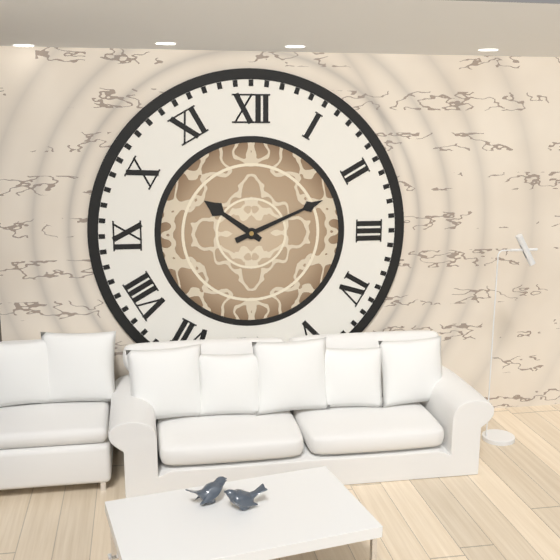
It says h=10 m=11
